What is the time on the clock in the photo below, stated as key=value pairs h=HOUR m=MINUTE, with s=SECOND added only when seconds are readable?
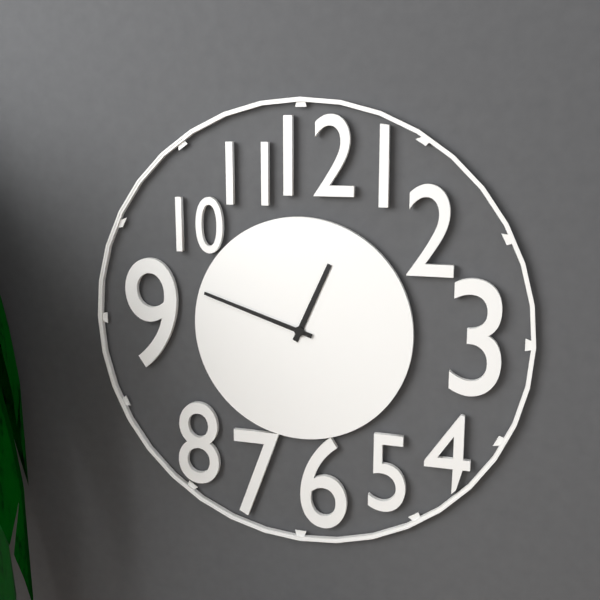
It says h=12 m=48
